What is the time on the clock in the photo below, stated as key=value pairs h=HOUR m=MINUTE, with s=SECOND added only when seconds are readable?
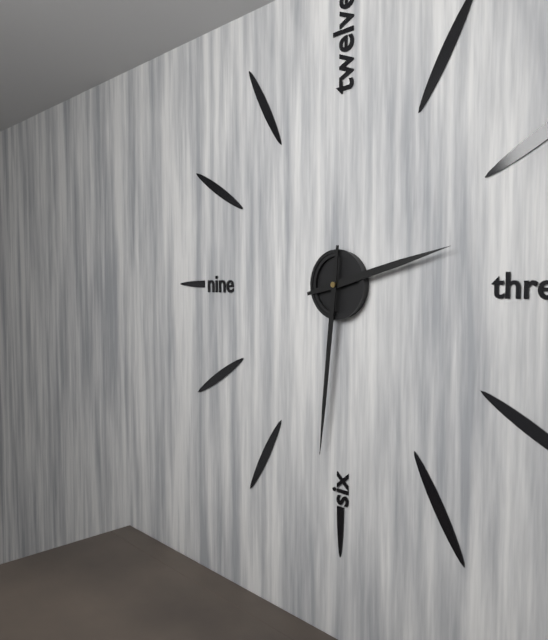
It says h=2 m=31
